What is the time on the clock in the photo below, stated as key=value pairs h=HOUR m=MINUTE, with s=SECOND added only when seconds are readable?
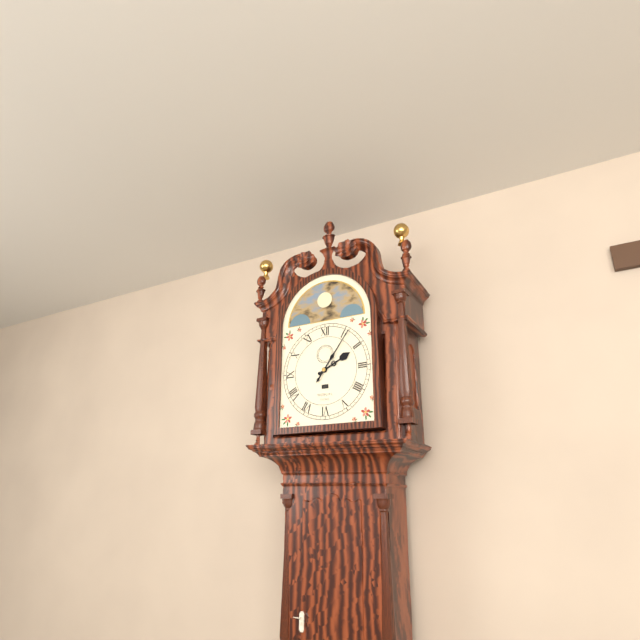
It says h=2 m=6
